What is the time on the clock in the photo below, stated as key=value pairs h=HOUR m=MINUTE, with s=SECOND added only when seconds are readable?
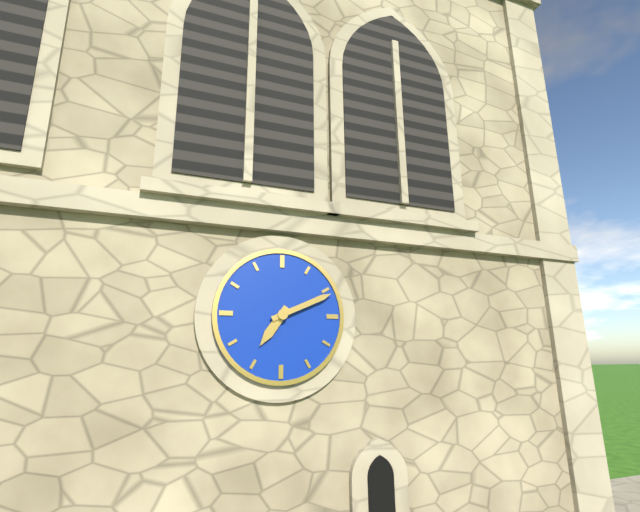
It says h=7 m=11
